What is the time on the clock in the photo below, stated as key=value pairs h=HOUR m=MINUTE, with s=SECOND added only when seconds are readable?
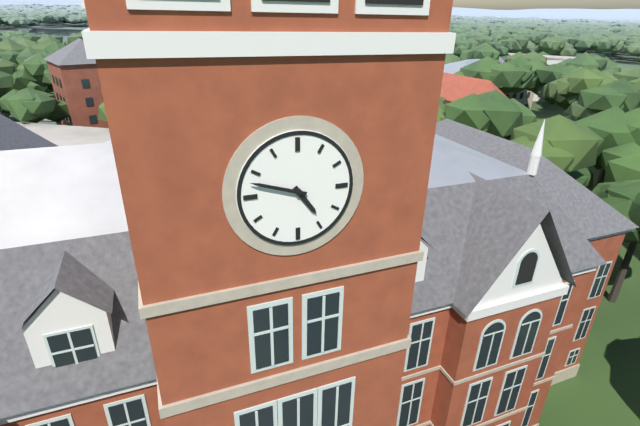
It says h=4 m=48
